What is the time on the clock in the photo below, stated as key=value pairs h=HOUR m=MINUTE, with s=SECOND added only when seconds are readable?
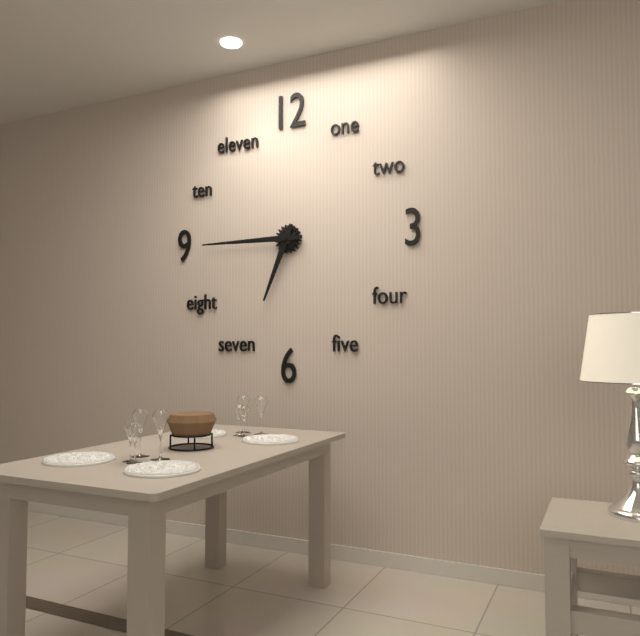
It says h=6 m=45
